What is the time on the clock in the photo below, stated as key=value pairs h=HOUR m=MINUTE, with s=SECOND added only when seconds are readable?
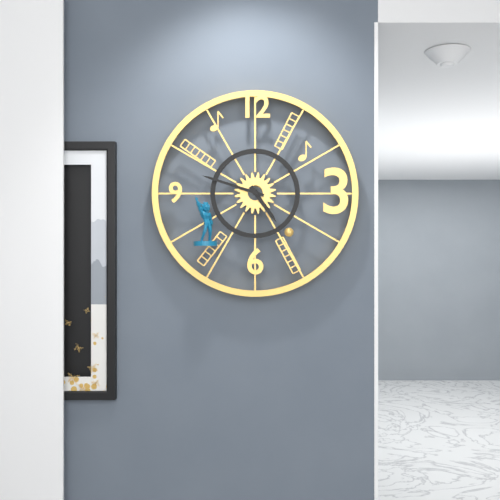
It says h=4 m=48
